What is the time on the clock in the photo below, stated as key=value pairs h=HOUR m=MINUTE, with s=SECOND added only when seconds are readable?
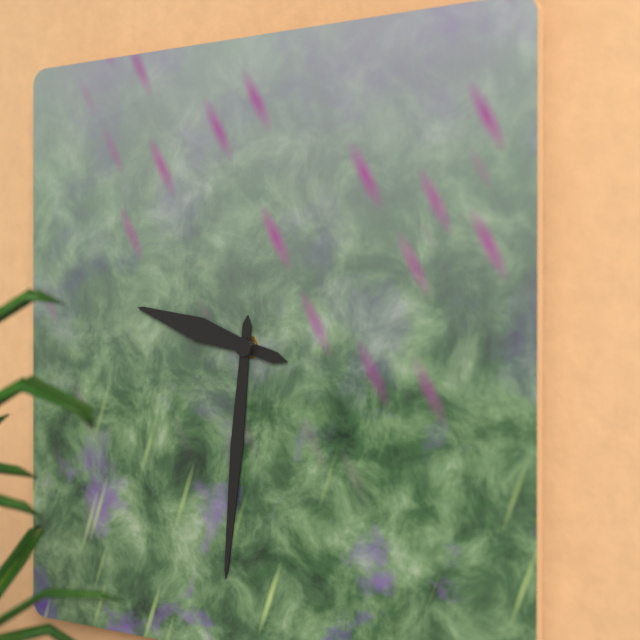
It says h=9 m=31
